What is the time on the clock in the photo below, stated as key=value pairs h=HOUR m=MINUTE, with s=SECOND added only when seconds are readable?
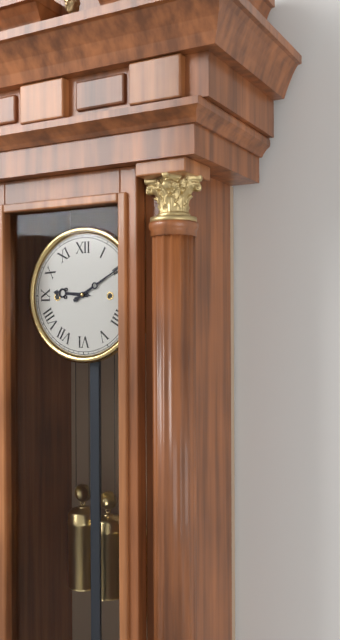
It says h=9 m=10
